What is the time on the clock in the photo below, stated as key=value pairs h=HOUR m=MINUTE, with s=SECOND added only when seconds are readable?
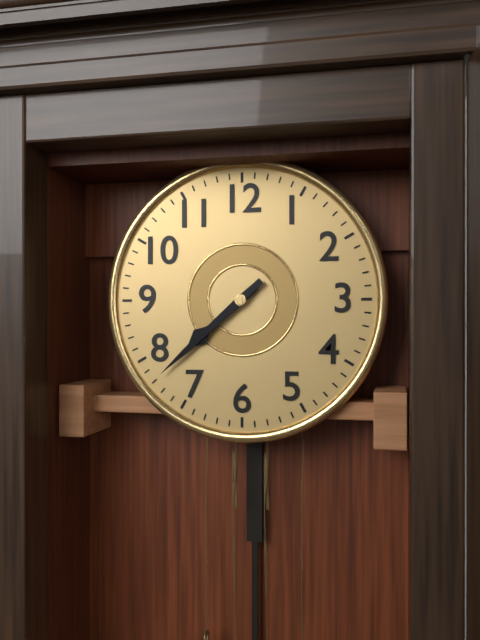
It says h=7 m=38
